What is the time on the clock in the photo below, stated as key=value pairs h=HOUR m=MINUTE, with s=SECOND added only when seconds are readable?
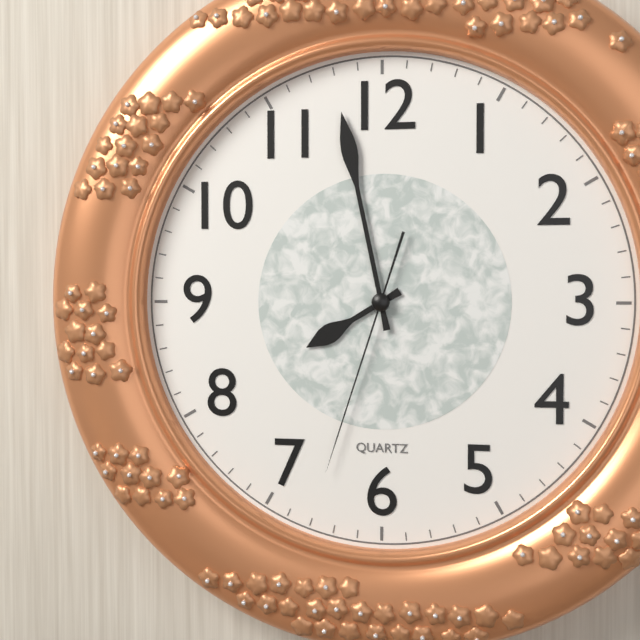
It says h=7 m=58 s=33
